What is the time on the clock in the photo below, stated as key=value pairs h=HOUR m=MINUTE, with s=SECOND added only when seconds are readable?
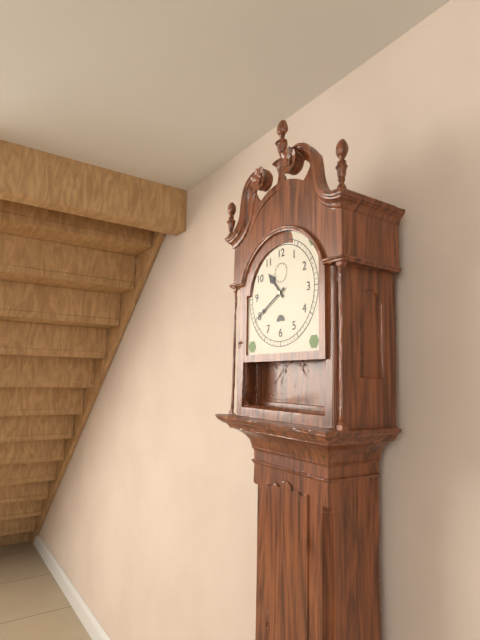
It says h=10 m=40
